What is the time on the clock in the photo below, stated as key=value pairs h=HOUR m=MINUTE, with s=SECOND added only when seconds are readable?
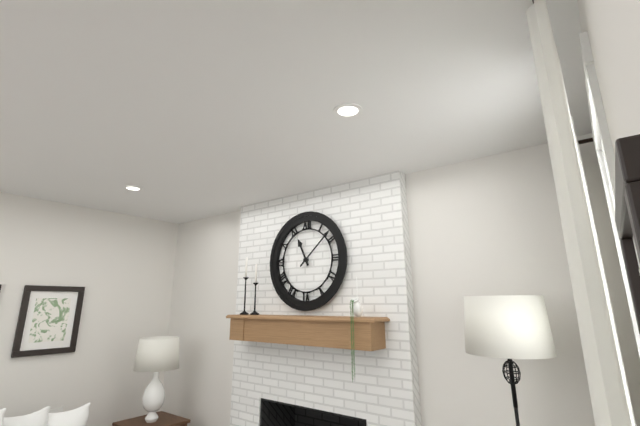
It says h=11 m=8
